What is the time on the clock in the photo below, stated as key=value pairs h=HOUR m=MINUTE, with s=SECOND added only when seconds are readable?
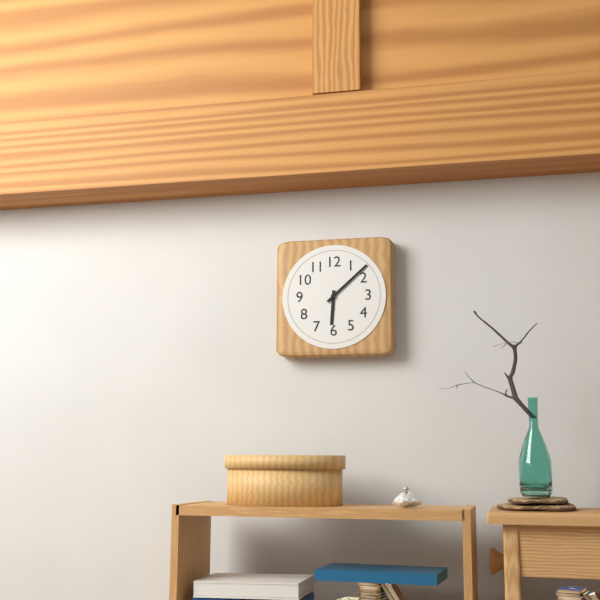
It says h=6 m=8
